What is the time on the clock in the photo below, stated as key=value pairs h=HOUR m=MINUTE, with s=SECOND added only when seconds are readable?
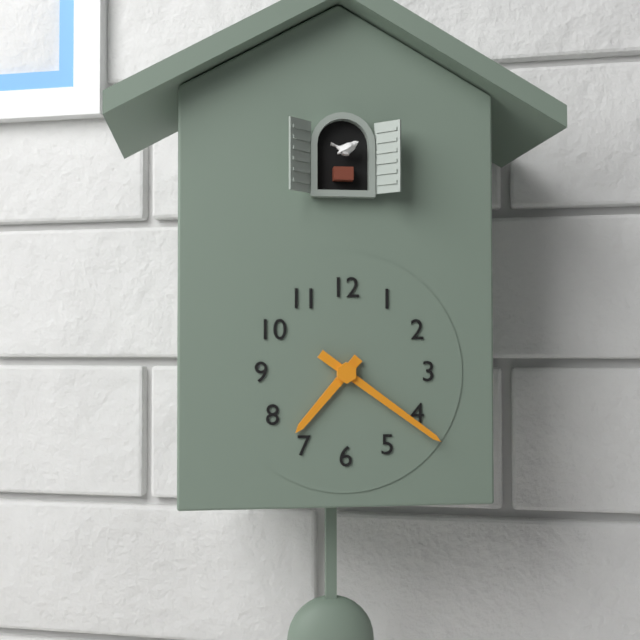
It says h=7 m=21
